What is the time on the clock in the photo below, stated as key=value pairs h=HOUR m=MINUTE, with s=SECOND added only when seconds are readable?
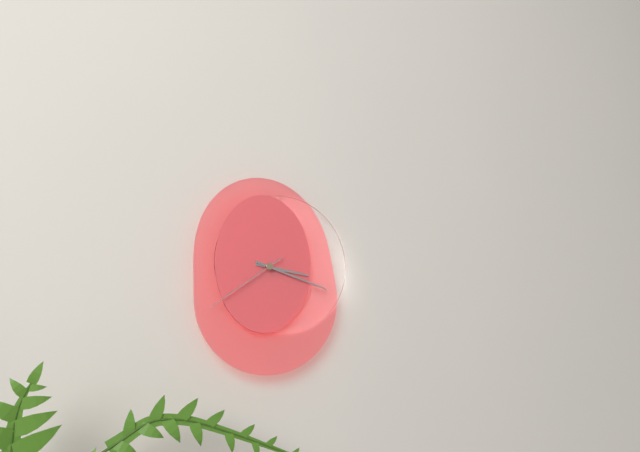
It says h=3 m=18 s=39
